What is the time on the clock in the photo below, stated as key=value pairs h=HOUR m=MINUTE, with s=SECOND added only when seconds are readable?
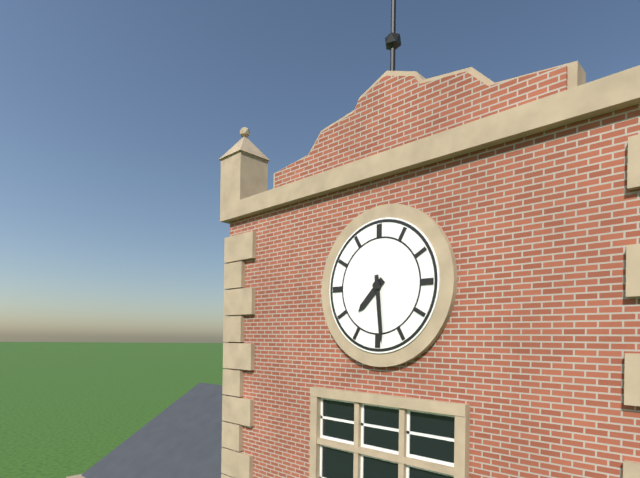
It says h=7 m=29
